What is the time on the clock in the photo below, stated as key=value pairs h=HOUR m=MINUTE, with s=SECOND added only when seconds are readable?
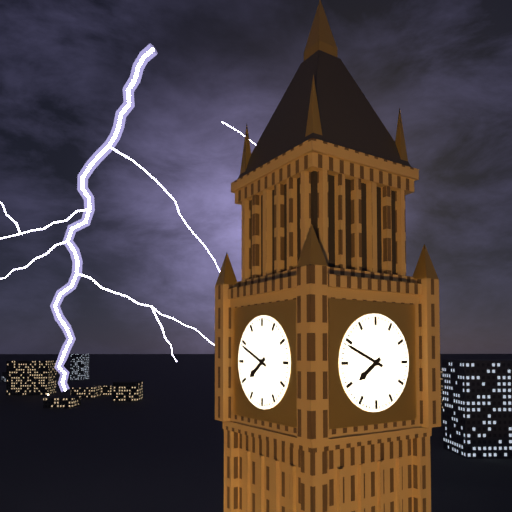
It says h=7 m=49
